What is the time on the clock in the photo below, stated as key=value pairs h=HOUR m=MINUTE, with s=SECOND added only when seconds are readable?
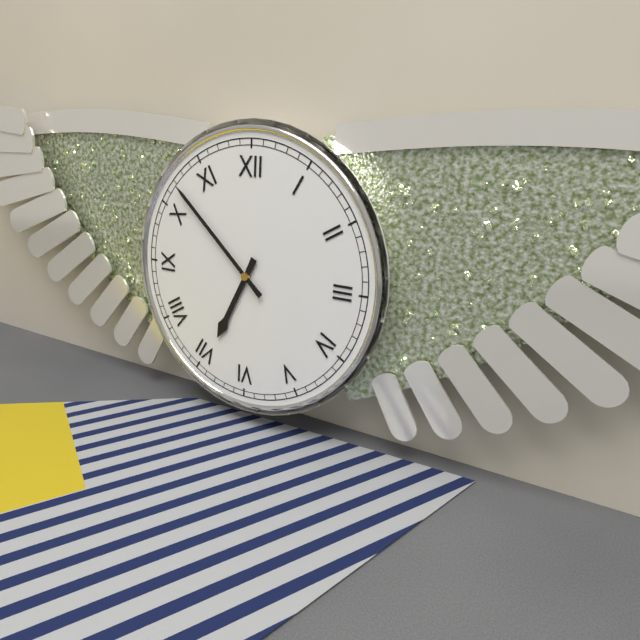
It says h=6 m=52
